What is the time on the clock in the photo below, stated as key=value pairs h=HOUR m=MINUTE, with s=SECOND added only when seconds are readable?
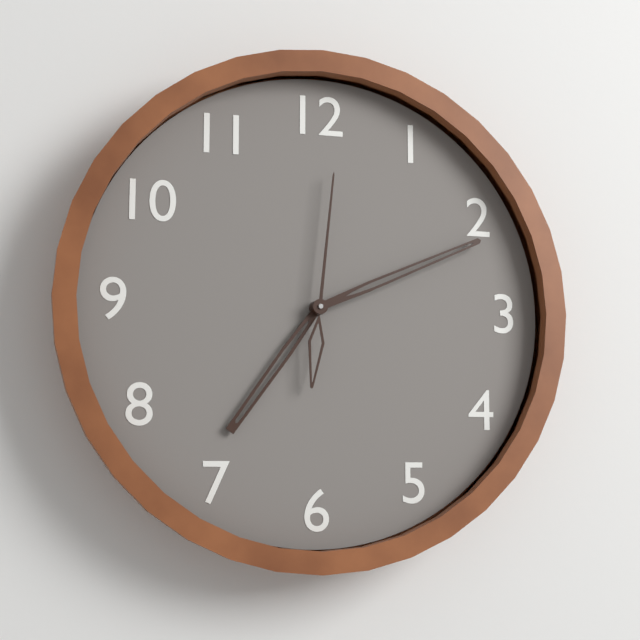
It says h=7 m=11 s=1
